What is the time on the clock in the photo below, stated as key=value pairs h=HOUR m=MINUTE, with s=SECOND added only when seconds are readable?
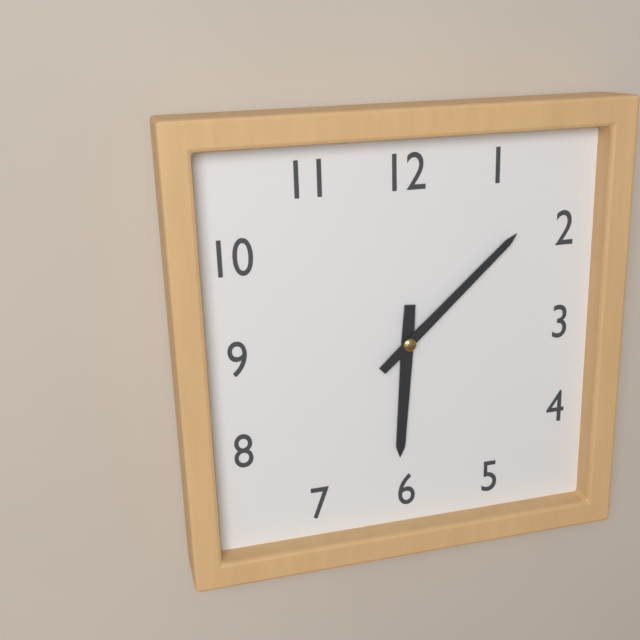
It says h=6 m=8
